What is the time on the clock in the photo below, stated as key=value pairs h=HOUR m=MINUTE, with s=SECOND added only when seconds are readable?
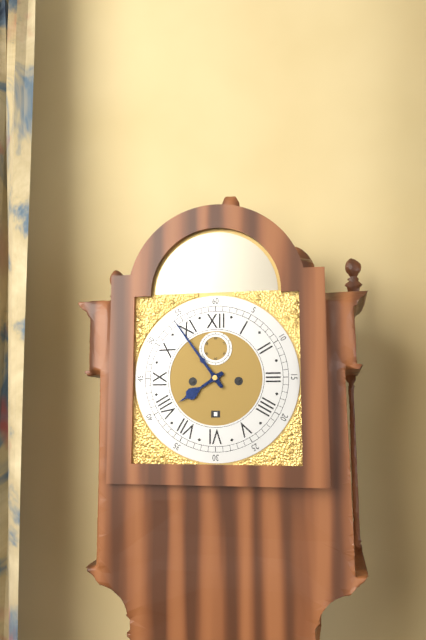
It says h=7 m=54
